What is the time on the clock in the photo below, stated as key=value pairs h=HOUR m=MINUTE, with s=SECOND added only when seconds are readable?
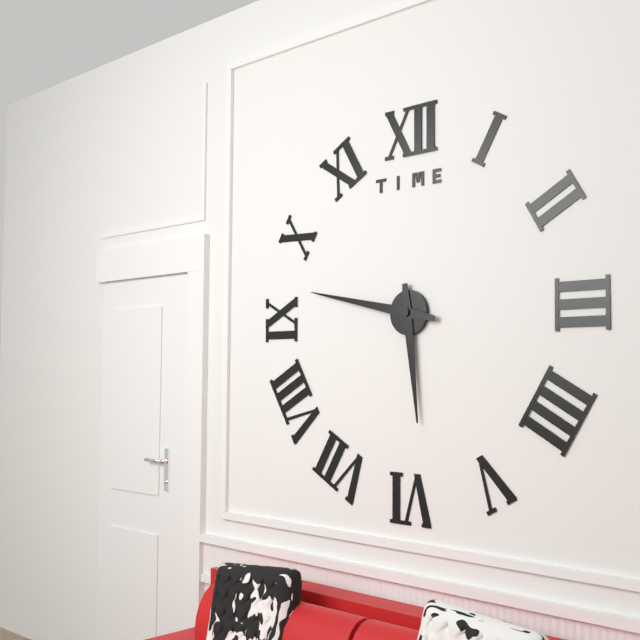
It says h=5 m=47
